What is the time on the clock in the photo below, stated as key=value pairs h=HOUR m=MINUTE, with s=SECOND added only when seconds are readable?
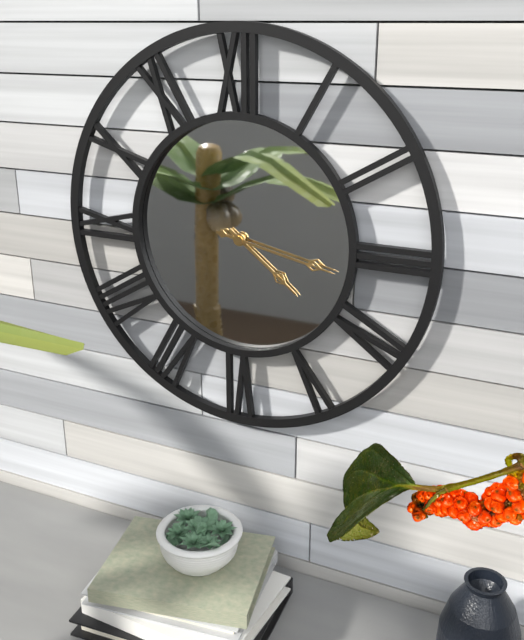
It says h=4 m=17
